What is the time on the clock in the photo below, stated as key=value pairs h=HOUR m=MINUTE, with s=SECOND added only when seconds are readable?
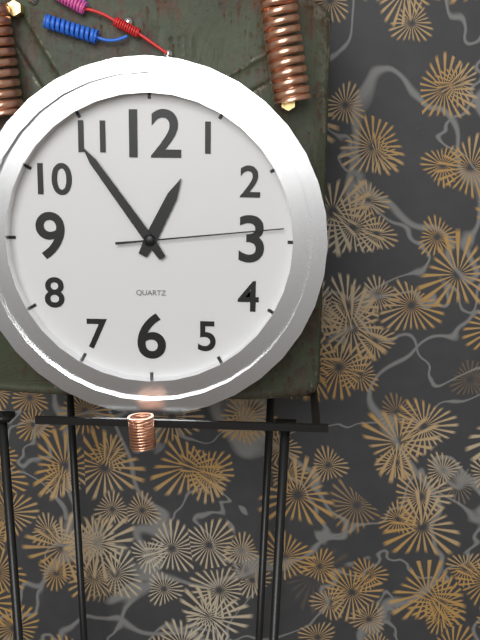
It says h=12 m=54 s=14
